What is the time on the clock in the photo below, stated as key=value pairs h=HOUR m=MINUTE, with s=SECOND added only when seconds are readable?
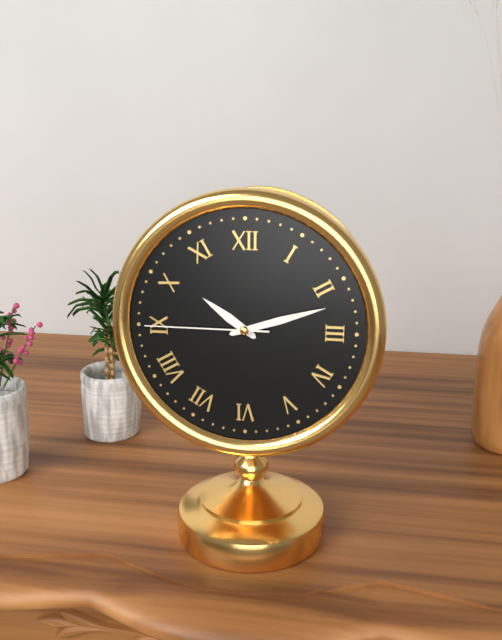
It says h=10 m=12 s=45
